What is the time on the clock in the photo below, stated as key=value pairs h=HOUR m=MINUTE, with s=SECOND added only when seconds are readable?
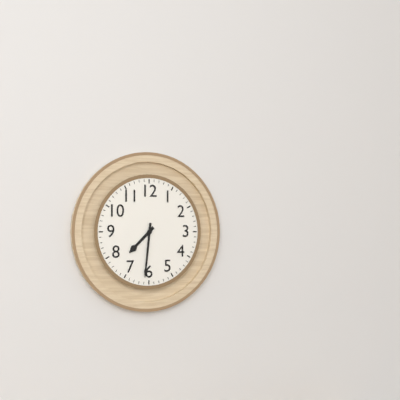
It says h=7 m=31
